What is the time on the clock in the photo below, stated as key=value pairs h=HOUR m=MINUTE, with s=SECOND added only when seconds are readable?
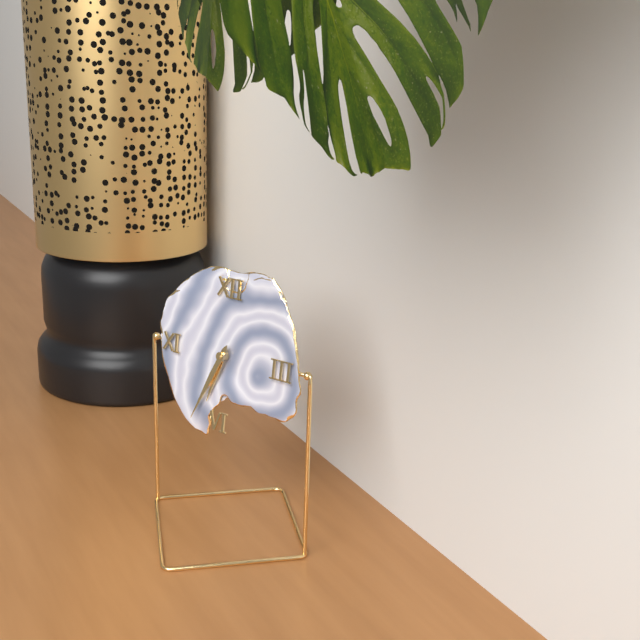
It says h=6 m=34
